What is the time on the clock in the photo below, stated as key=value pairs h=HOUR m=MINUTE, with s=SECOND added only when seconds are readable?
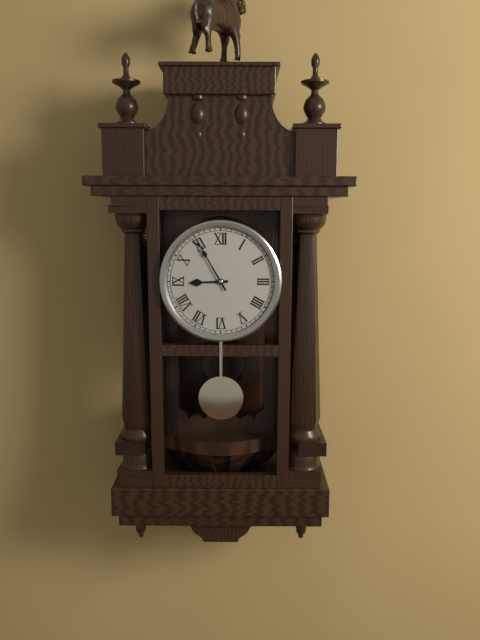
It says h=8 m=55
